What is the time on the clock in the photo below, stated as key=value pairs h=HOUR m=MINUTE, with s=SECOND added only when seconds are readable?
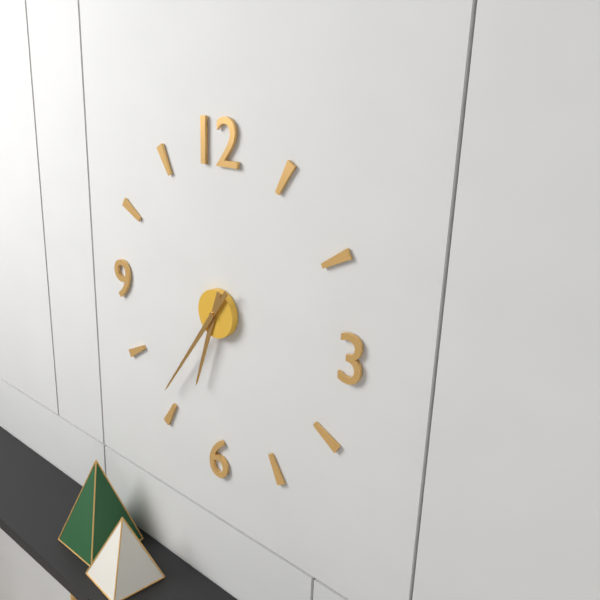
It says h=6 m=36
